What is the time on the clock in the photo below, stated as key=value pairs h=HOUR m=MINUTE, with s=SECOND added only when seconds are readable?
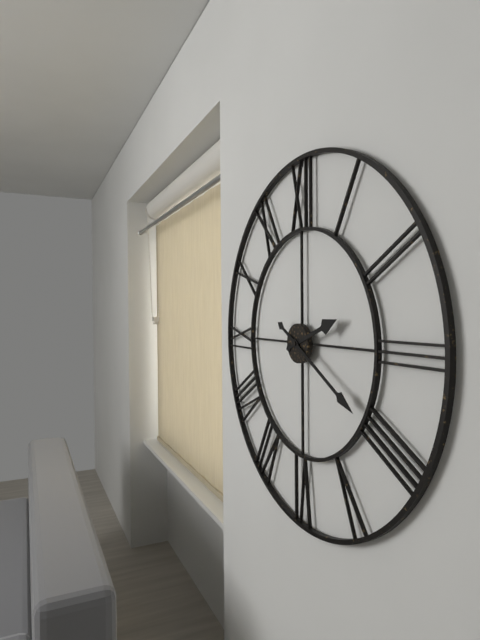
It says h=2 m=20
